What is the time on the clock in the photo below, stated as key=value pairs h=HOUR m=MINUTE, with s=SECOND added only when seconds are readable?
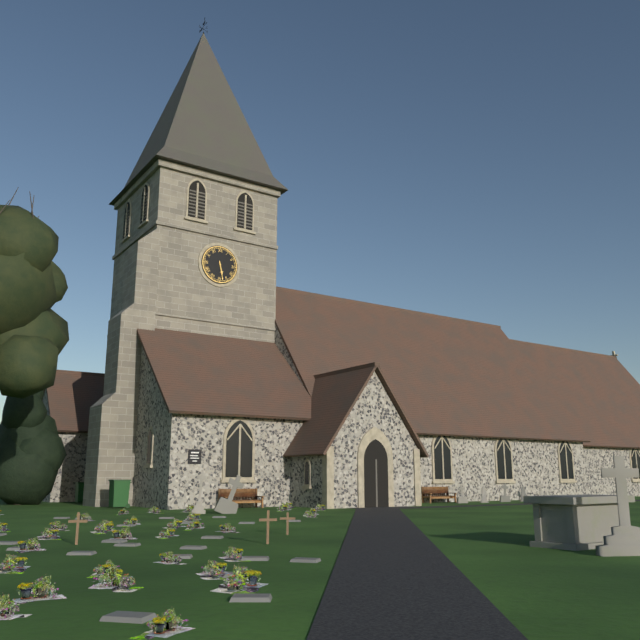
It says h=5 m=28
